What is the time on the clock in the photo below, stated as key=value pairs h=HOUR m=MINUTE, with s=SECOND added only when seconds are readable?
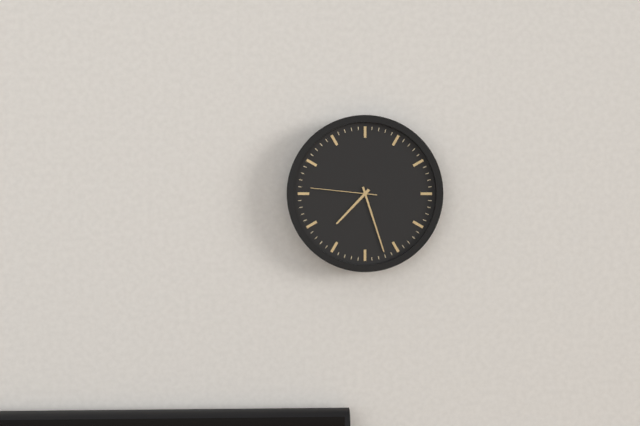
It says h=7 m=27 s=46
